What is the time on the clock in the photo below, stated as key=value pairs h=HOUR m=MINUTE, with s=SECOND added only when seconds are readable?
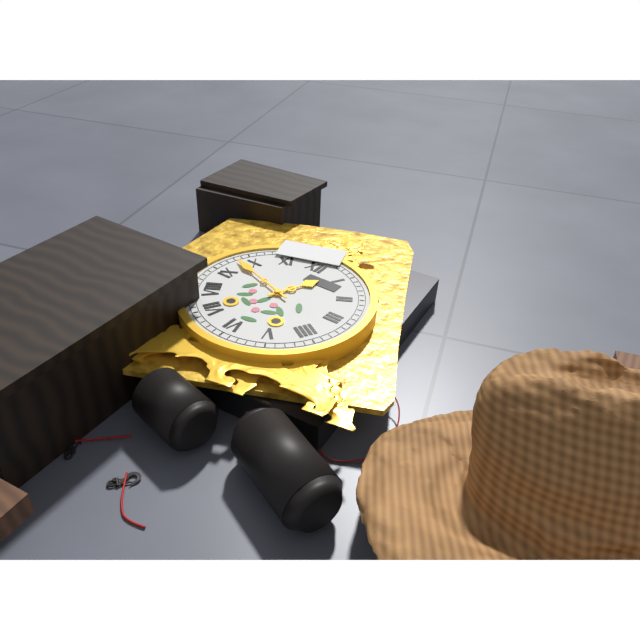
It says h=12 m=48
